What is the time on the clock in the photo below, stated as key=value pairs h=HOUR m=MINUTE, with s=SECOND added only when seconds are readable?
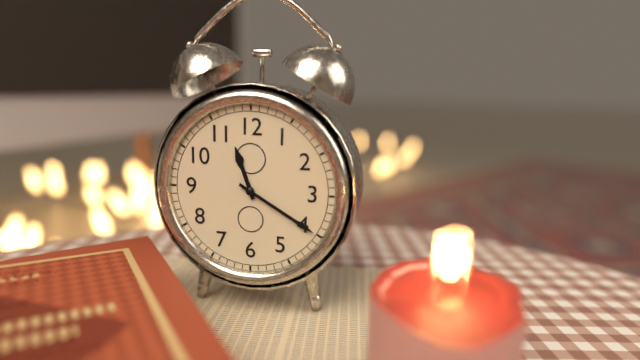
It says h=11 m=20
